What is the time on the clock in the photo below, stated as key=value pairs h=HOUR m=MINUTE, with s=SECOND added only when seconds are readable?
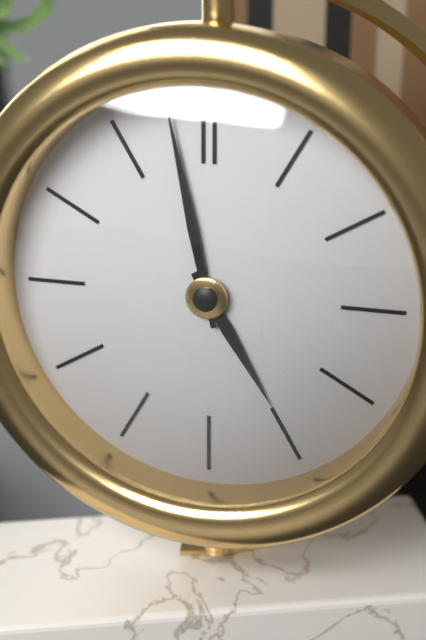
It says h=4 m=58
